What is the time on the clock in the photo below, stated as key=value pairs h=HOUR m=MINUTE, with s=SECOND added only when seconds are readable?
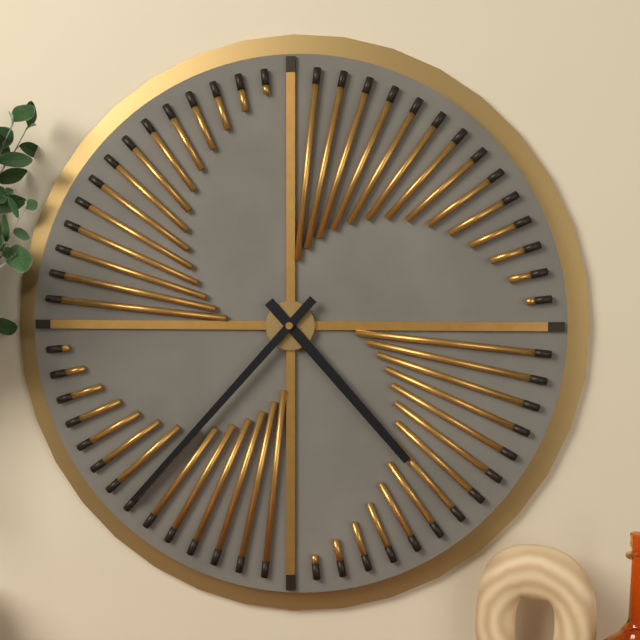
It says h=4 m=37
